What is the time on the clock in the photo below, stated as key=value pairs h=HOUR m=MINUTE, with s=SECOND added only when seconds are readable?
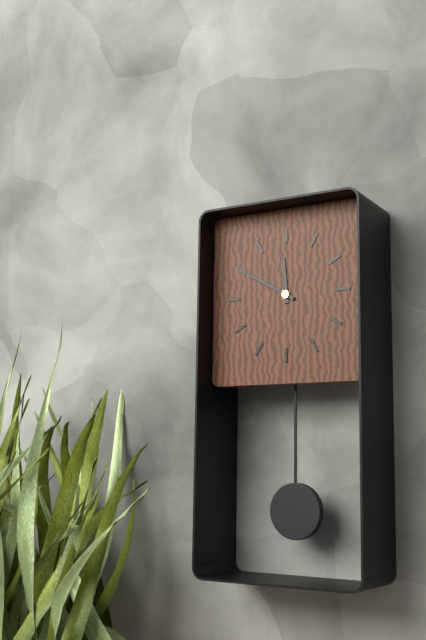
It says h=11 m=50
